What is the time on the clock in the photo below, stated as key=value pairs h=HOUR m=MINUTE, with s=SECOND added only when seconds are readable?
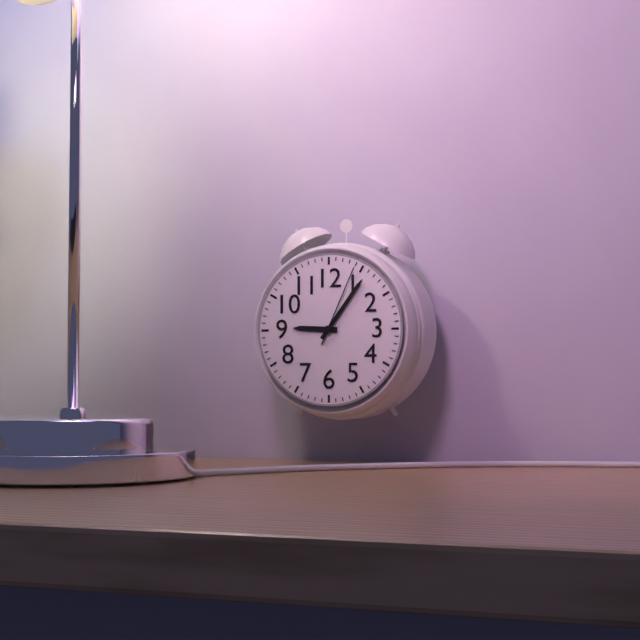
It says h=9 m=6 s=4
